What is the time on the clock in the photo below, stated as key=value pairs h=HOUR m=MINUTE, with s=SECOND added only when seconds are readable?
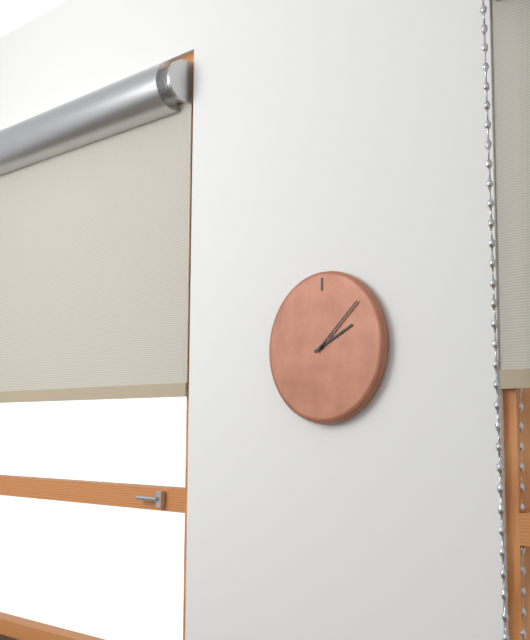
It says h=2 m=8
